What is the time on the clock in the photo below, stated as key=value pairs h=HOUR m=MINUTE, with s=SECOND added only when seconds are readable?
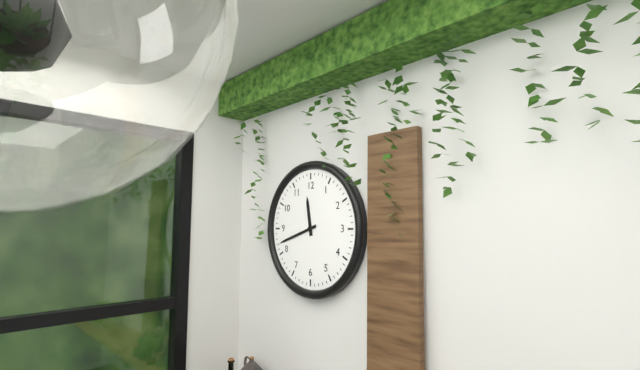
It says h=11 m=42
